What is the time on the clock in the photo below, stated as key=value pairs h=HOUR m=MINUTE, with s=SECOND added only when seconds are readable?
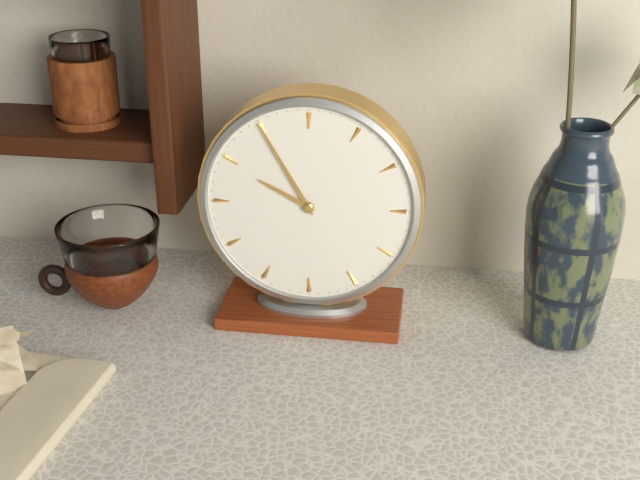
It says h=9 m=55
